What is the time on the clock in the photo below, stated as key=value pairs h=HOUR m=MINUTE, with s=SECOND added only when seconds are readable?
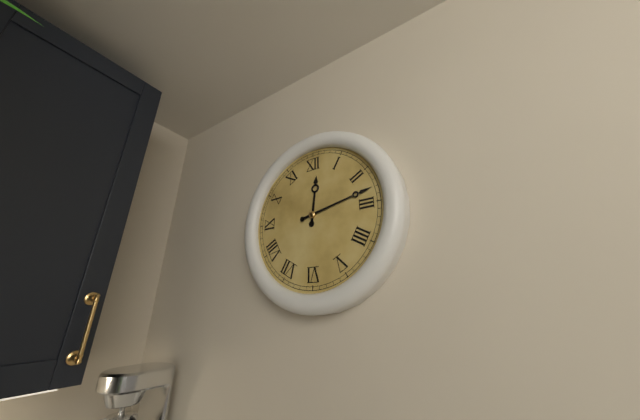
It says h=12 m=13
